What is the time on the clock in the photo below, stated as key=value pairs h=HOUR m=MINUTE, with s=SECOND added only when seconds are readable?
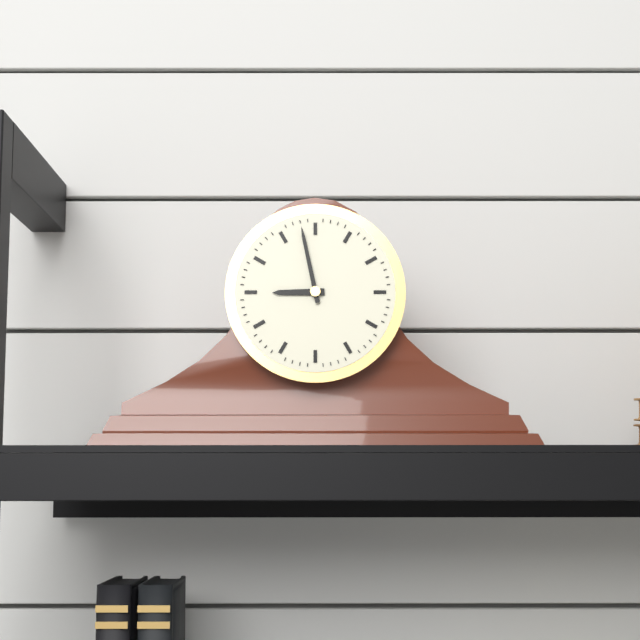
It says h=8 m=58
